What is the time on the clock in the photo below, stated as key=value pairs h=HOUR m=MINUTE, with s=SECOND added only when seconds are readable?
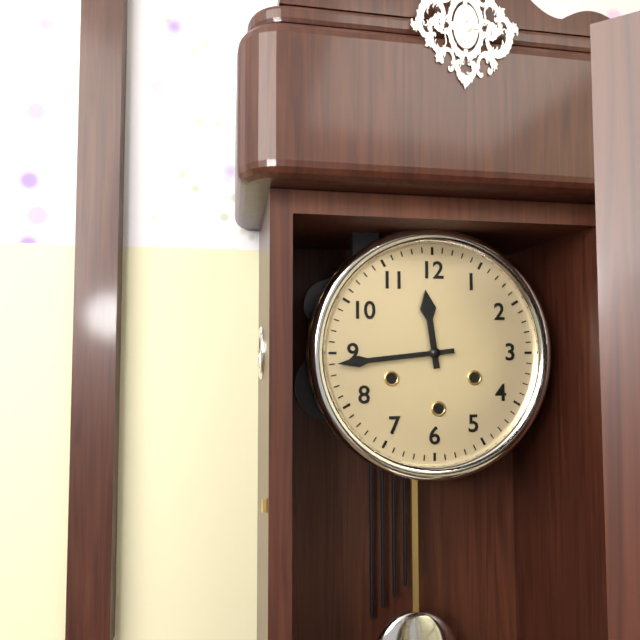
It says h=11 m=44
